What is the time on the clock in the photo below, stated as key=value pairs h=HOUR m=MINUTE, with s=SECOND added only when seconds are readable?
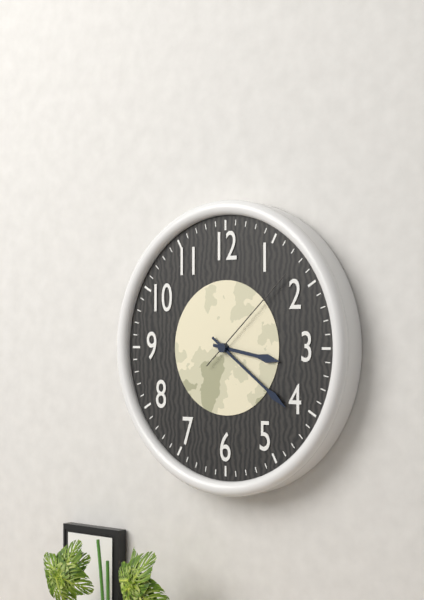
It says h=3 m=21 s=8
